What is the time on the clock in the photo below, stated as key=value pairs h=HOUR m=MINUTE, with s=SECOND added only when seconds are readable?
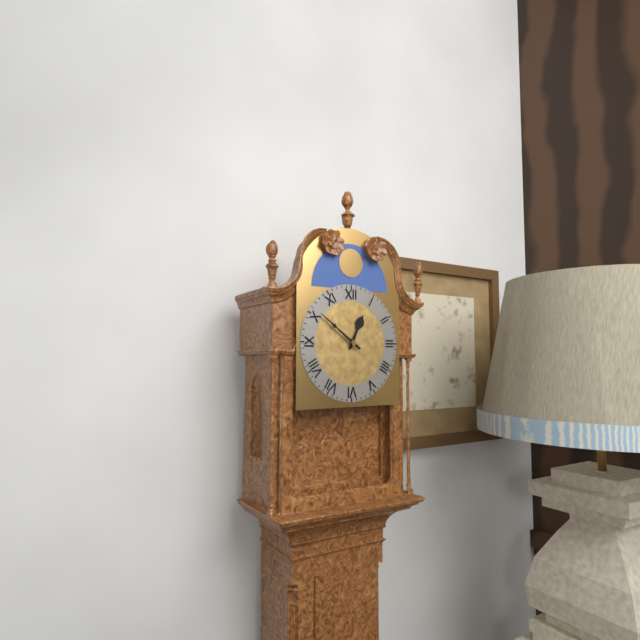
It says h=12 m=51
